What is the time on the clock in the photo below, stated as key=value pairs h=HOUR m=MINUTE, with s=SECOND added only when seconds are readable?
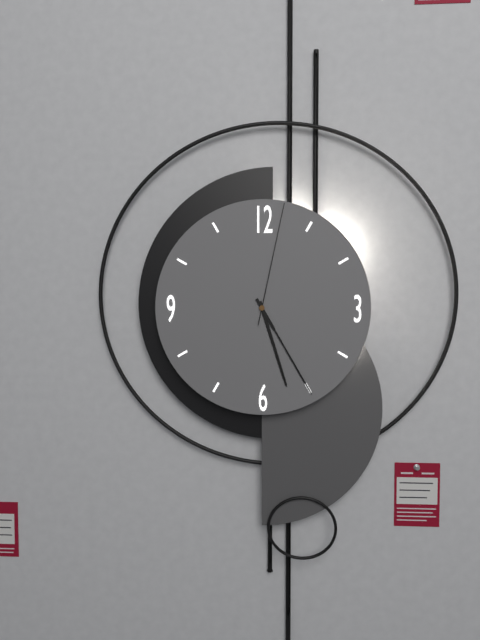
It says h=5 m=25 s=2
